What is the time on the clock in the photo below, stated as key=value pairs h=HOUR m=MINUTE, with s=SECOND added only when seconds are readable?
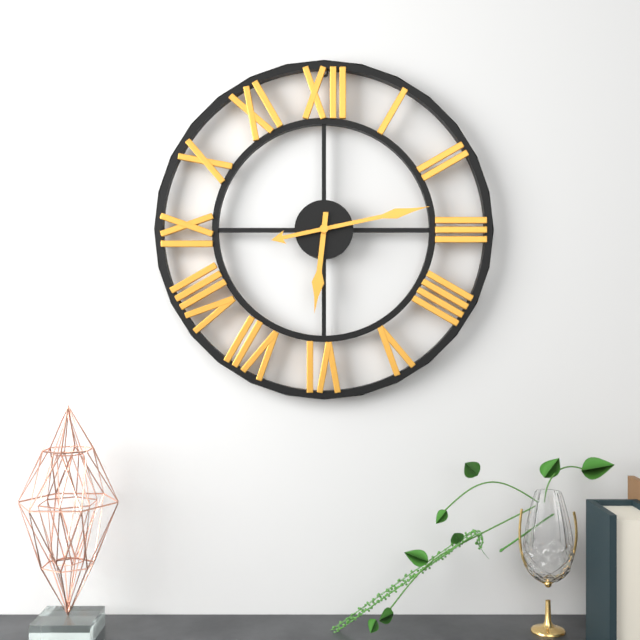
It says h=6 m=13
